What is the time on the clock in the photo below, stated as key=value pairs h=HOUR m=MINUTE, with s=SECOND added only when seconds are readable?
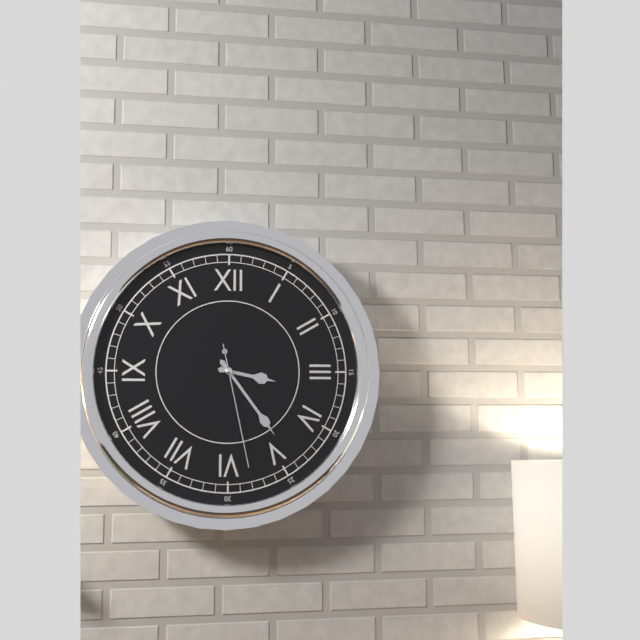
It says h=3 m=24 s=28
